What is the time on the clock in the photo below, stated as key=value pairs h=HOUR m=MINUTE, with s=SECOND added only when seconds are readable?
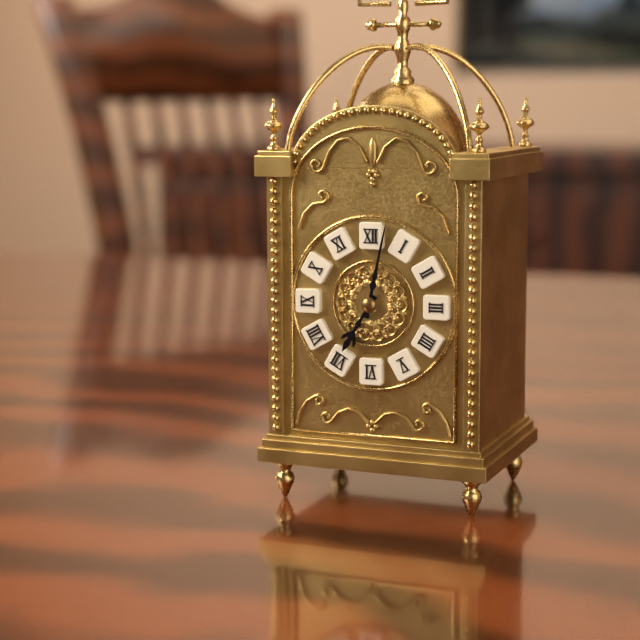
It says h=7 m=2
